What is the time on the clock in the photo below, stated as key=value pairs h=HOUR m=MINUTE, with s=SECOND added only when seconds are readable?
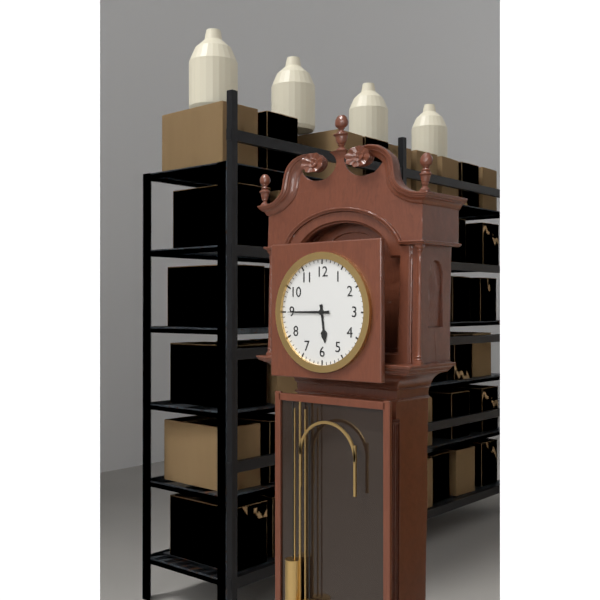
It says h=5 m=45
